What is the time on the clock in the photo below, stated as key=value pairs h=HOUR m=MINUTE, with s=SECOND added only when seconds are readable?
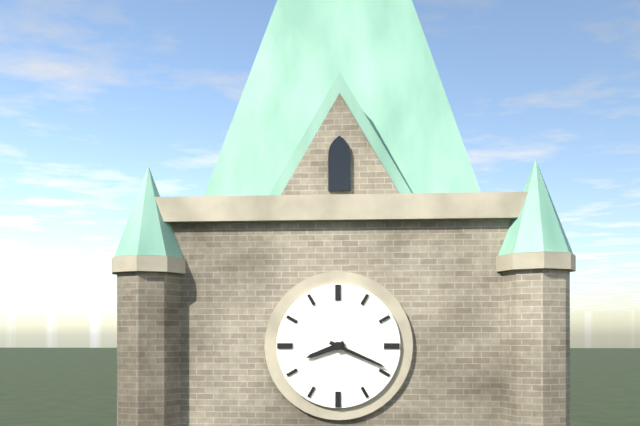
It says h=8 m=19
